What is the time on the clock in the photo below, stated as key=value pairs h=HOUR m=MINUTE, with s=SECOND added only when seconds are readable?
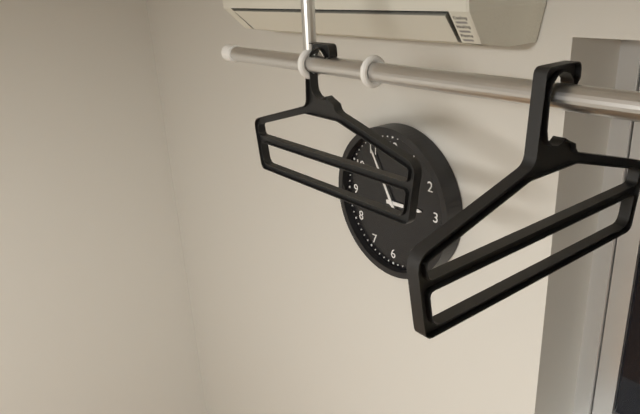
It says h=2 m=55
